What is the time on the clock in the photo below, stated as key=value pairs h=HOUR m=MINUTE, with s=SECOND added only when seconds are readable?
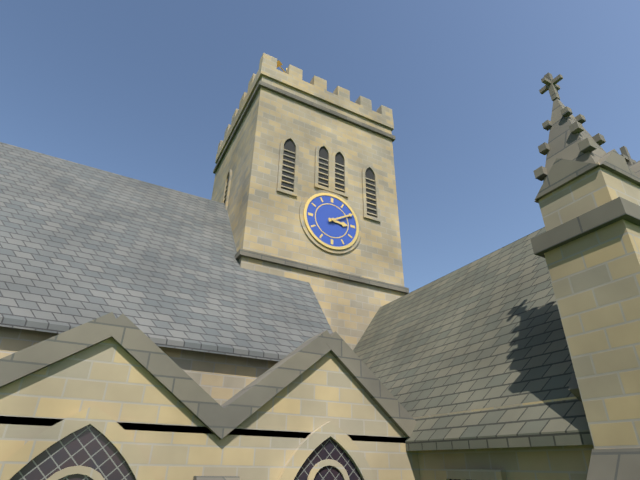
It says h=3 m=10
